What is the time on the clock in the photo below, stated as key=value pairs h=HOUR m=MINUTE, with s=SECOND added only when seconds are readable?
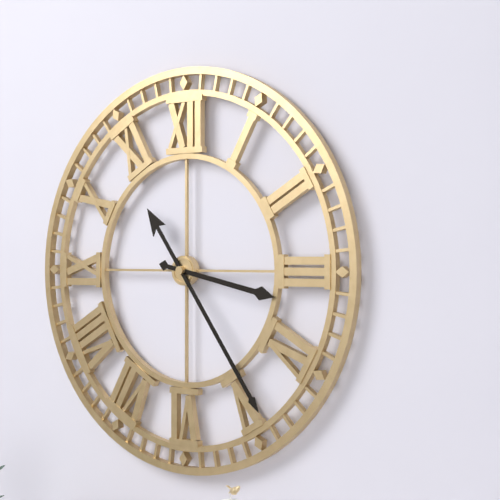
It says h=3 m=24
